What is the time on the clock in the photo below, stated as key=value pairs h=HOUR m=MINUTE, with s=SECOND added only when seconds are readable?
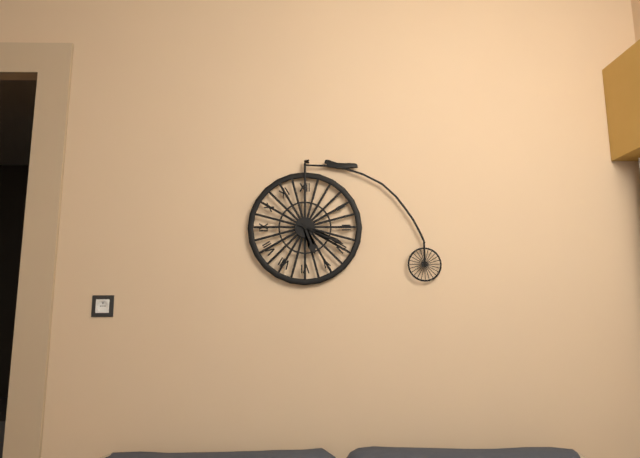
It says h=5 m=19
